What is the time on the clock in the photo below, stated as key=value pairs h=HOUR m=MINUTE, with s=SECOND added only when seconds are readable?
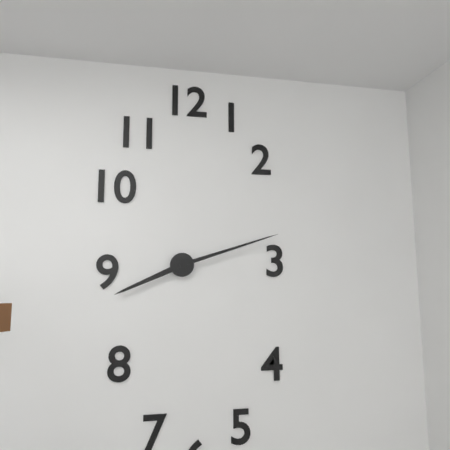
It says h=8 m=12
